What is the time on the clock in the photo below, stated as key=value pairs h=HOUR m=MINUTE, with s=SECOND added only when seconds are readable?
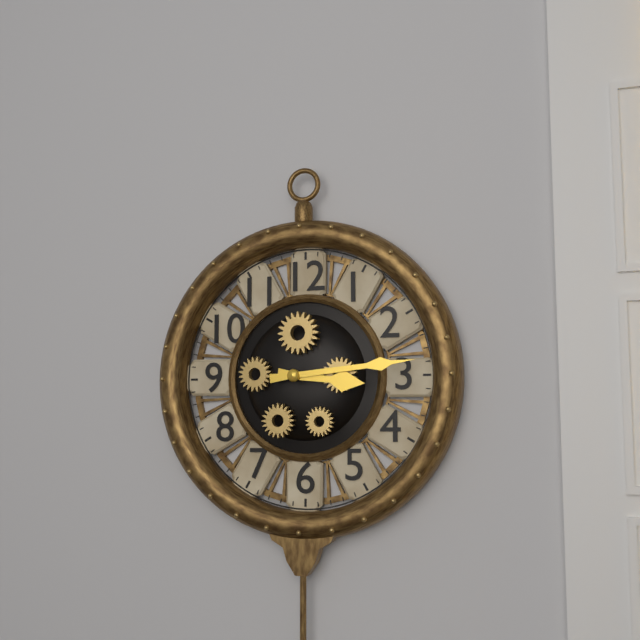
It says h=3 m=14
